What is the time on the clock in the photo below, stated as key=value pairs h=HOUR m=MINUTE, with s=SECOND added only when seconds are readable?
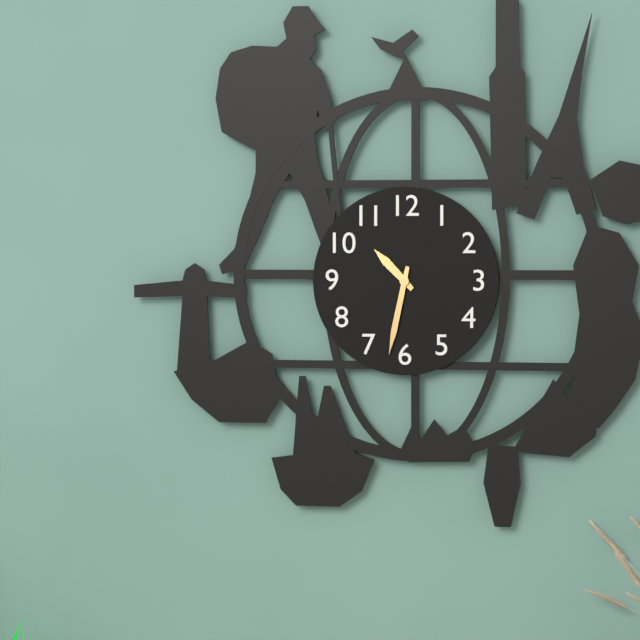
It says h=10 m=32
